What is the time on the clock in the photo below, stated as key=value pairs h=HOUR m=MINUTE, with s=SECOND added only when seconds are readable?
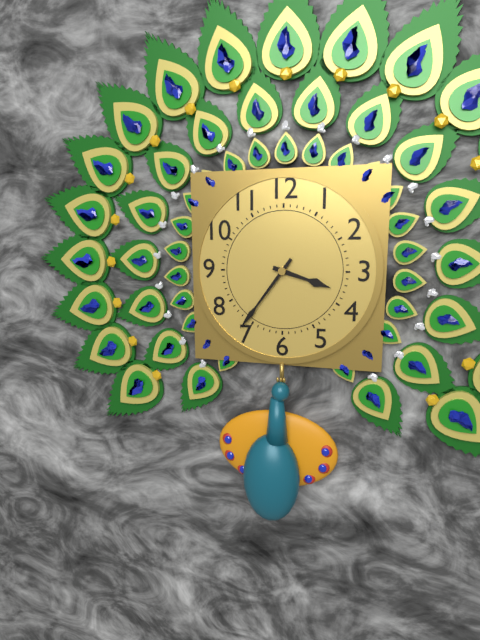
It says h=3 m=36
